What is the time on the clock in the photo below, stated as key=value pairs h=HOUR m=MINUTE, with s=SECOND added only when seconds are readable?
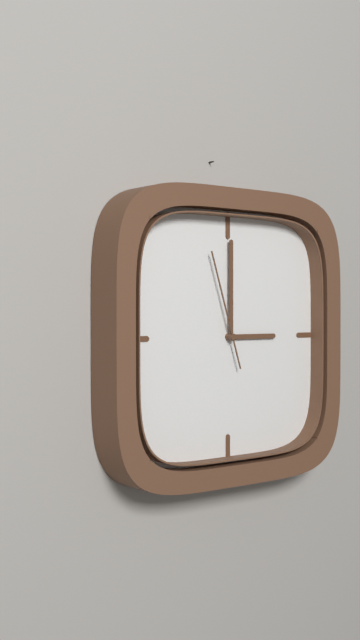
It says h=3 m=0 s=57
